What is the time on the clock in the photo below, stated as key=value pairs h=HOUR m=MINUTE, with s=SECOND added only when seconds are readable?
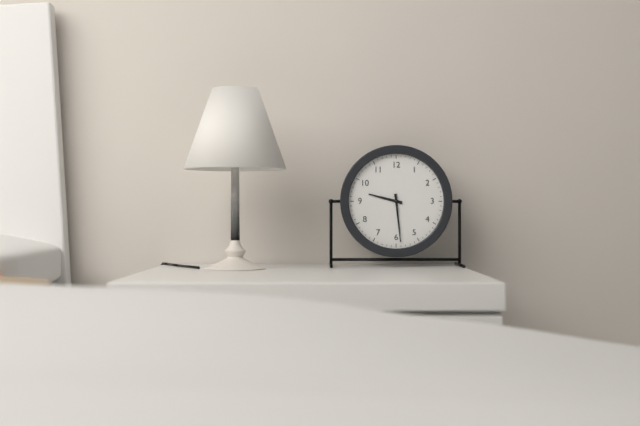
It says h=9 m=29
